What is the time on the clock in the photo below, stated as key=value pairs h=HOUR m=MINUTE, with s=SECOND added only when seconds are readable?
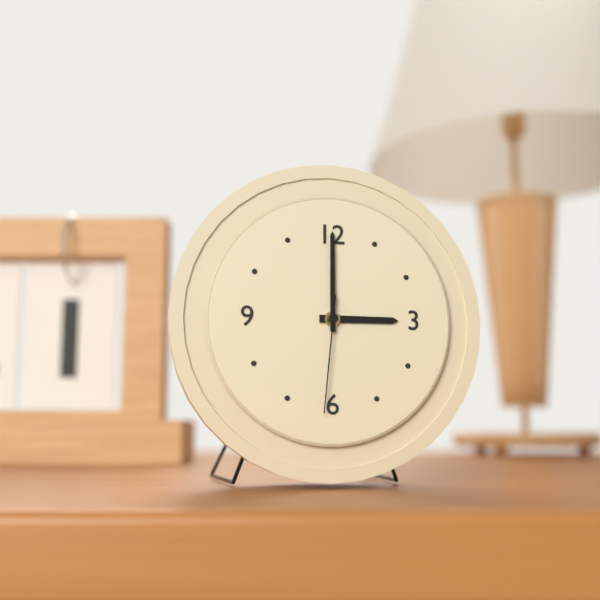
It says h=3 m=0 s=31
